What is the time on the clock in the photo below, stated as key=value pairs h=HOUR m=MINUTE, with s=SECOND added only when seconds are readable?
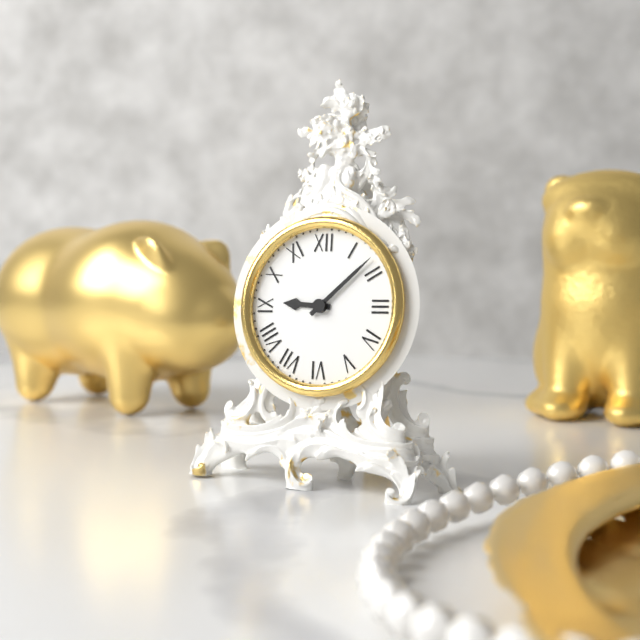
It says h=9 m=8
